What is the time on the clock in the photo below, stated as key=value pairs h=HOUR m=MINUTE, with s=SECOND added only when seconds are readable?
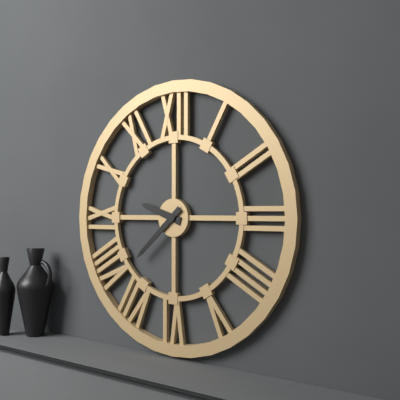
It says h=9 m=38
